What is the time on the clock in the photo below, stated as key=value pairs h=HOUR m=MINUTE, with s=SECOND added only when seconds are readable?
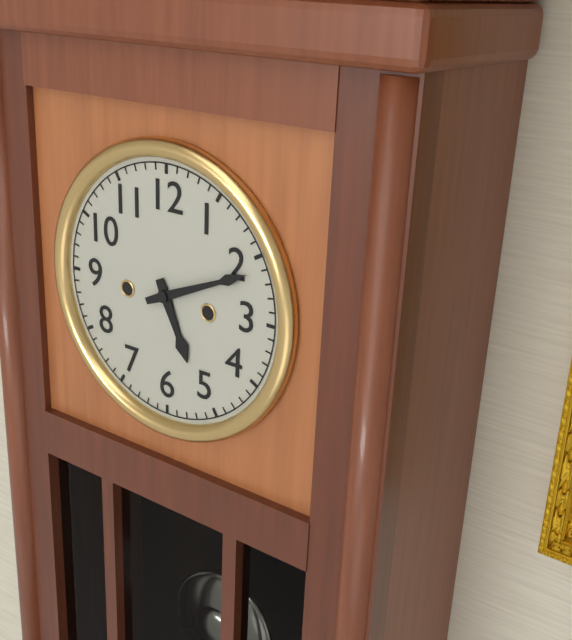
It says h=5 m=11
